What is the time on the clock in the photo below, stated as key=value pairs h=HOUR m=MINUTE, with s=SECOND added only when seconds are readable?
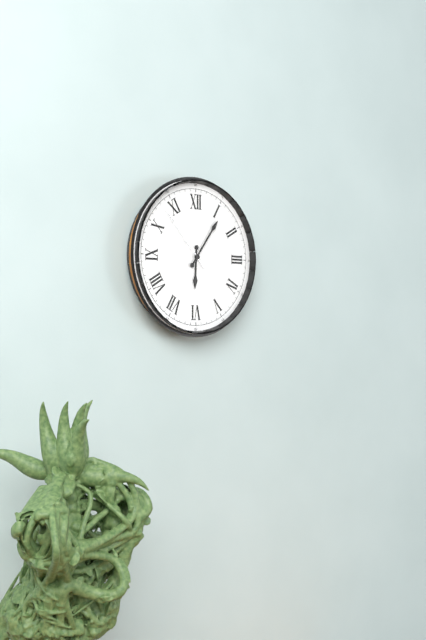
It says h=6 m=6 s=53
